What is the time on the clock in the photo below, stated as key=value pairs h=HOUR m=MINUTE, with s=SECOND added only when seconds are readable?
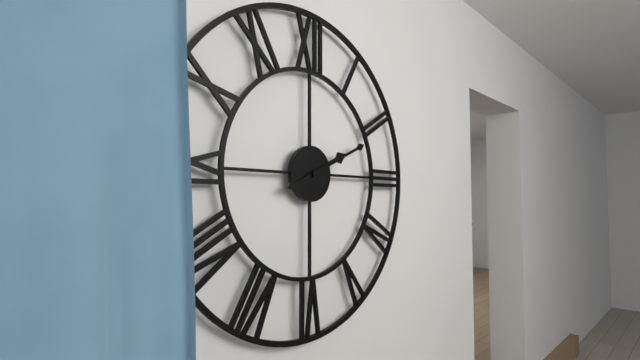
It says h=2 m=11
